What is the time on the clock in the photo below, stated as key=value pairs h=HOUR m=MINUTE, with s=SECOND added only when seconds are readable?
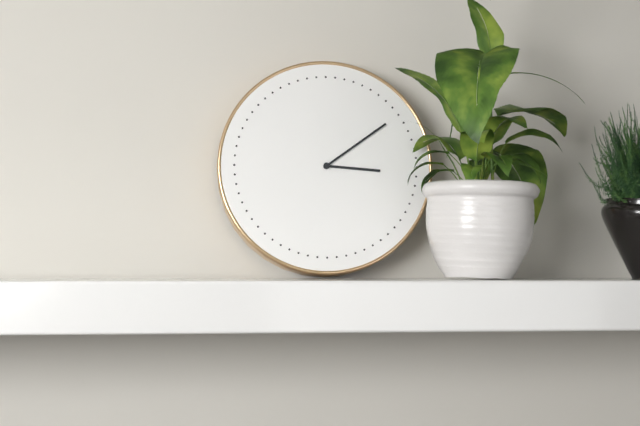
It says h=3 m=9
